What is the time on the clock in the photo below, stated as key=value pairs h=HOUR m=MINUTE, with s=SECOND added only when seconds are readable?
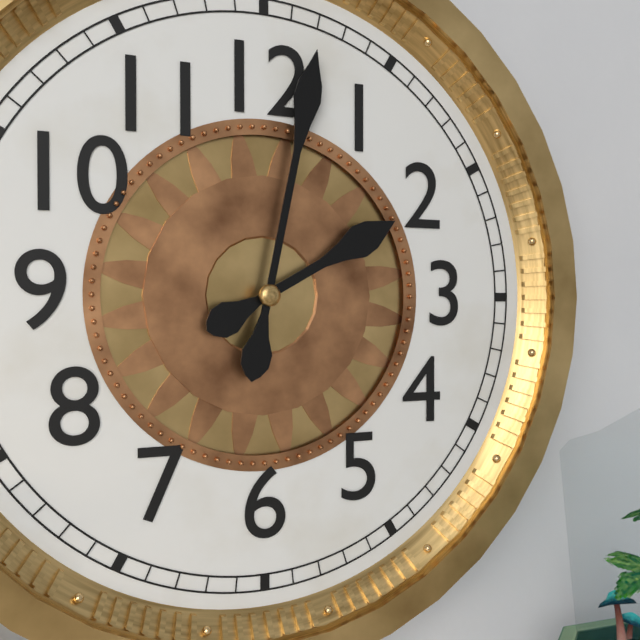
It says h=2 m=2
